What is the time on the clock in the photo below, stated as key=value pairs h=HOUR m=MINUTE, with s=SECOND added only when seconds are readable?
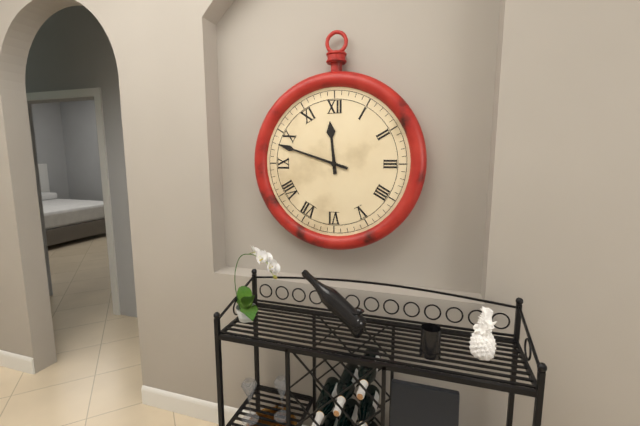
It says h=11 m=48
